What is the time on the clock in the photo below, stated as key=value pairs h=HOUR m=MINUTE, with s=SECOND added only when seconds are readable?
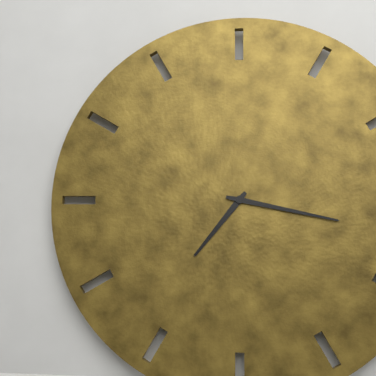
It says h=7 m=17
